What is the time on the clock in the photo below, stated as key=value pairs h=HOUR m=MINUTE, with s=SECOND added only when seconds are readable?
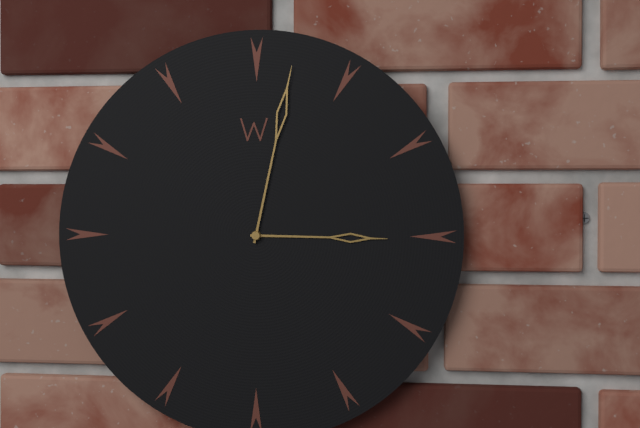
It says h=3 m=2
